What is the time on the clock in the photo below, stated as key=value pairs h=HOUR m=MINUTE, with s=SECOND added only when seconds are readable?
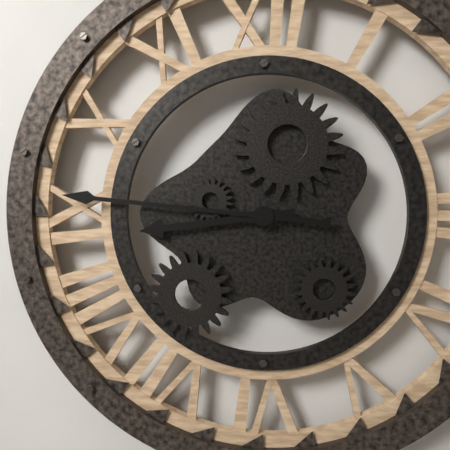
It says h=8 m=46
